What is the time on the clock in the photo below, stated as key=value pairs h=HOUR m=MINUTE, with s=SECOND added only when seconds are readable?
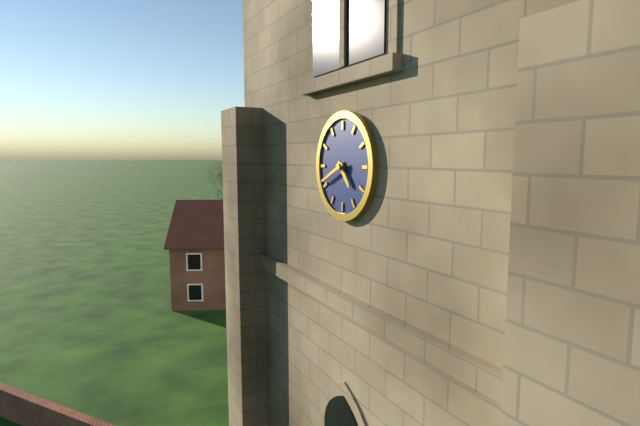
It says h=4 m=41
